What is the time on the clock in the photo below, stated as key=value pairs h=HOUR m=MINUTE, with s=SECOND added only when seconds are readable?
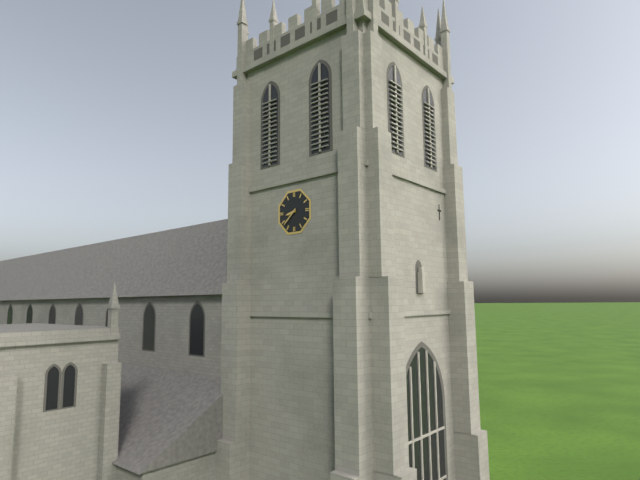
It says h=8 m=38
